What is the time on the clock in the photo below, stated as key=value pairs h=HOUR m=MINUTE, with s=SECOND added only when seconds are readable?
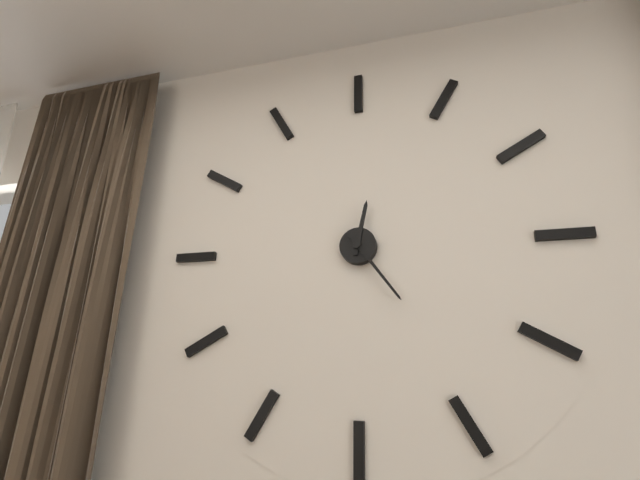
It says h=12 m=24
